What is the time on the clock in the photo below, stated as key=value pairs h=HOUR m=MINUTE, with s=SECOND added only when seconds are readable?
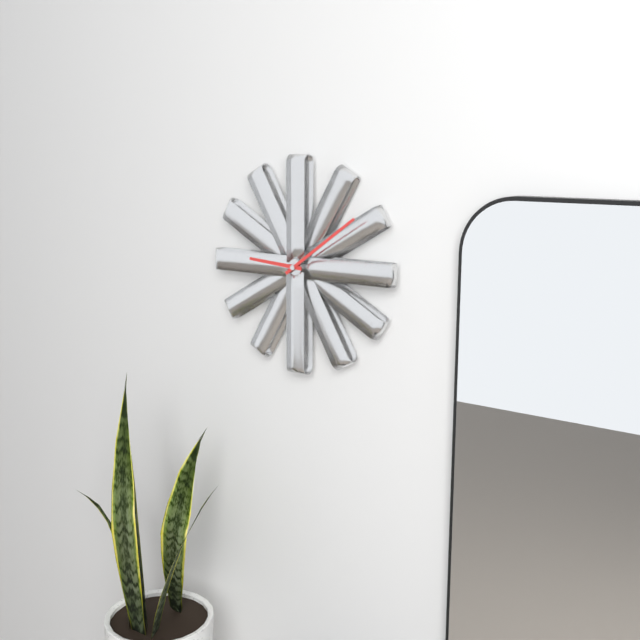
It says h=9 m=9
